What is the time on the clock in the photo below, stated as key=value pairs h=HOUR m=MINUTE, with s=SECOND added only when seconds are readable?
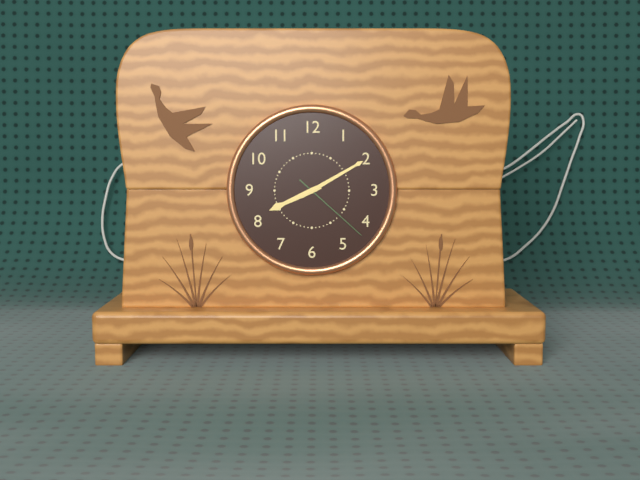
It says h=8 m=10 s=22
